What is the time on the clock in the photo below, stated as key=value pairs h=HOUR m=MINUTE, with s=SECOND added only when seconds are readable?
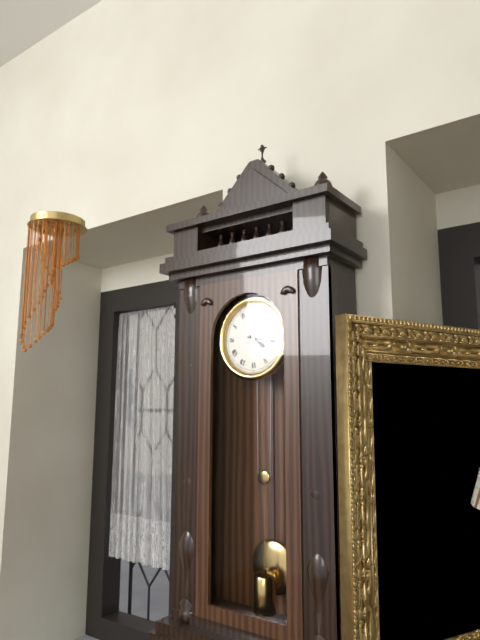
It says h=4 m=17
